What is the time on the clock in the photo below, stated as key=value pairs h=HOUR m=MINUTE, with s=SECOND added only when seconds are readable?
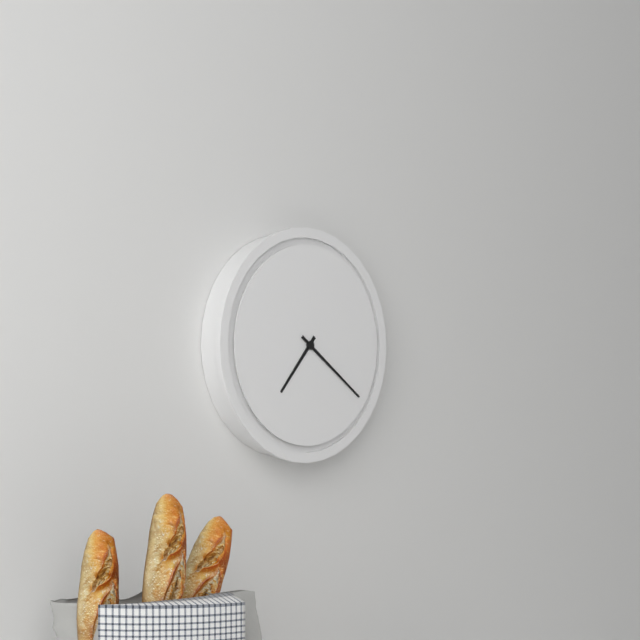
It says h=7 m=21
